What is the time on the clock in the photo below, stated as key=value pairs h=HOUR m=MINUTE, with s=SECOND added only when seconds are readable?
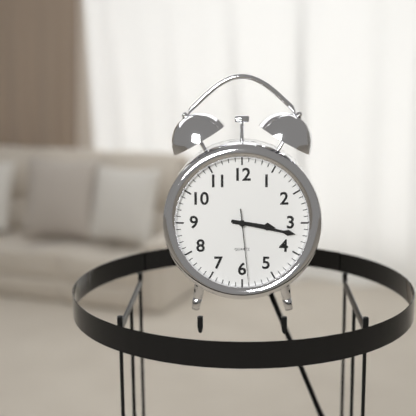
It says h=3 m=17 s=29
